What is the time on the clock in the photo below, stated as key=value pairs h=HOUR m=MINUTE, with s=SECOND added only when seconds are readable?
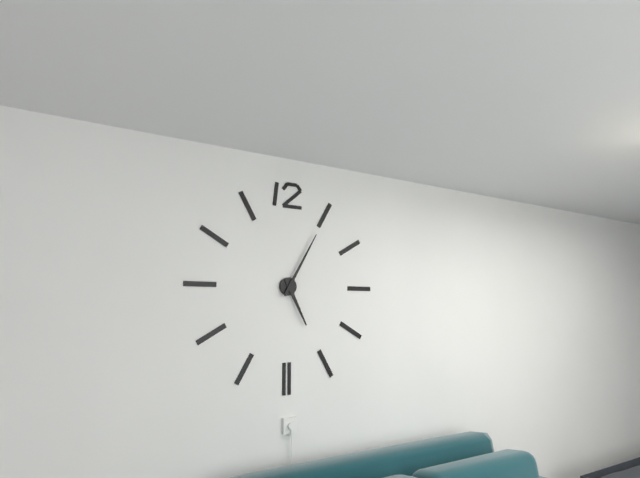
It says h=5 m=5
